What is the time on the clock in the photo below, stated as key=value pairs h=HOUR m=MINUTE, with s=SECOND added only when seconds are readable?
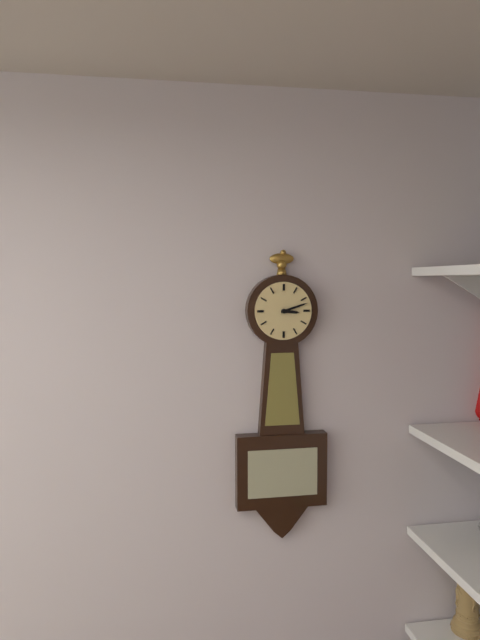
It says h=3 m=12
